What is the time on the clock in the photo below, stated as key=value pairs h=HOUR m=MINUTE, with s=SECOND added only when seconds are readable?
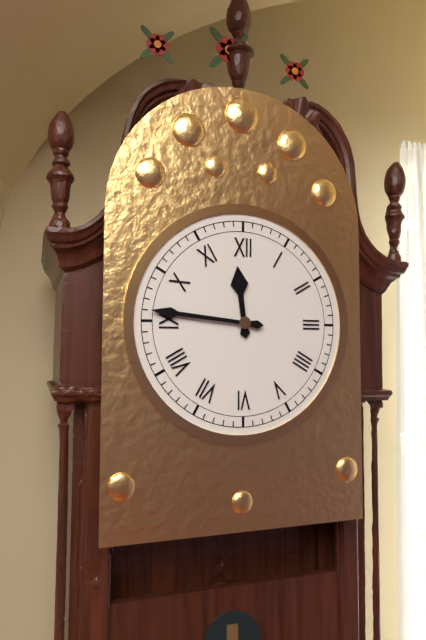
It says h=11 m=46
